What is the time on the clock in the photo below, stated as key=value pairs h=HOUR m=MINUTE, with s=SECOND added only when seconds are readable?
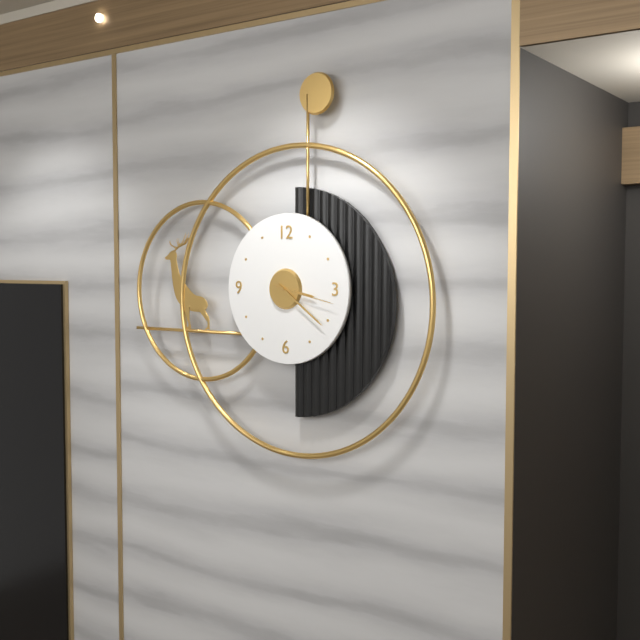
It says h=3 m=21 s=17
